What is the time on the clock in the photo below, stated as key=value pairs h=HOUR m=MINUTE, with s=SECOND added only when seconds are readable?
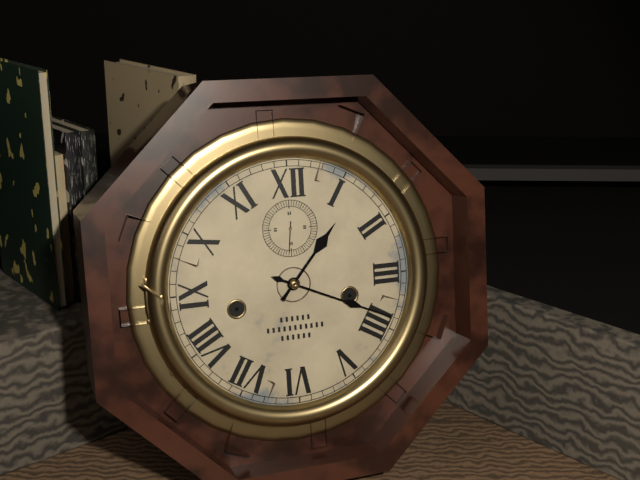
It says h=1 m=19
